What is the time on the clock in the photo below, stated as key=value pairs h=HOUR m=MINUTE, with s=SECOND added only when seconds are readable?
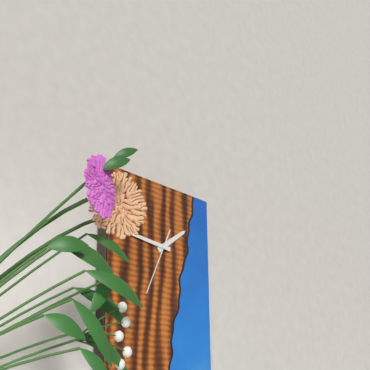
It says h=1 m=46 s=34
